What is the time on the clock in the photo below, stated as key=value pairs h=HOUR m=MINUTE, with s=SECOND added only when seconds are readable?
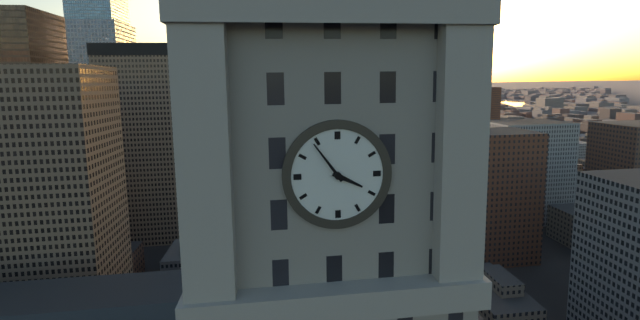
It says h=3 m=54
